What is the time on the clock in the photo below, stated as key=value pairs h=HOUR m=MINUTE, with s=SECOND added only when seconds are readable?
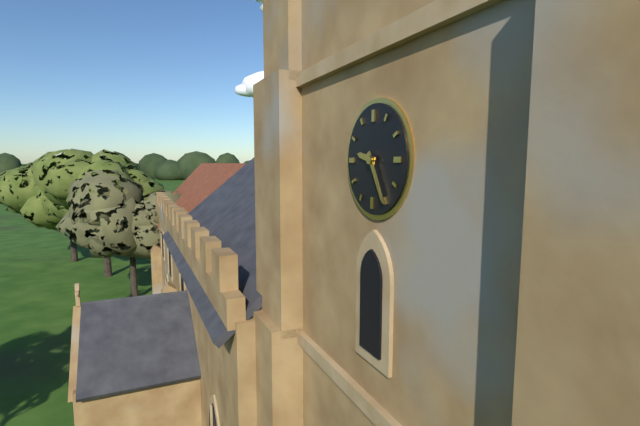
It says h=9 m=25
